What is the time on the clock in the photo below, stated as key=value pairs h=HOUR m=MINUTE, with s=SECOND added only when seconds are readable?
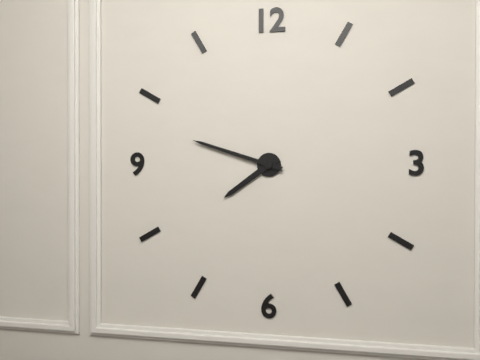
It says h=7 m=48
